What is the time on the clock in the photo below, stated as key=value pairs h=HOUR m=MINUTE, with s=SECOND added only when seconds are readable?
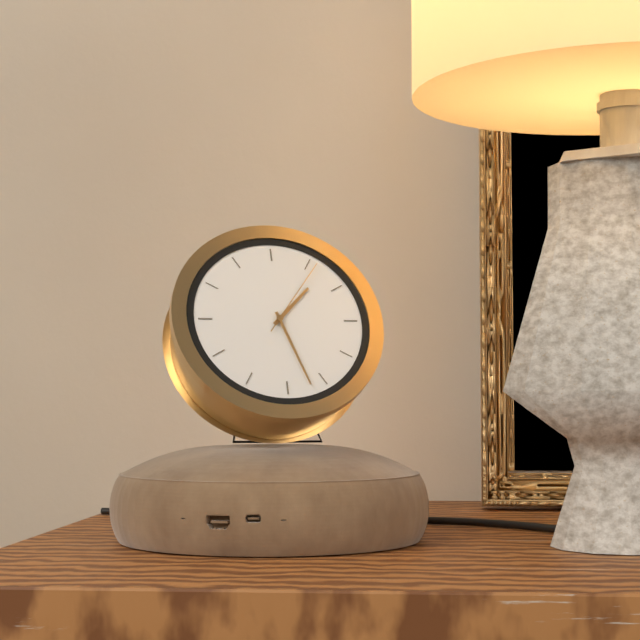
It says h=1 m=27 s=6
